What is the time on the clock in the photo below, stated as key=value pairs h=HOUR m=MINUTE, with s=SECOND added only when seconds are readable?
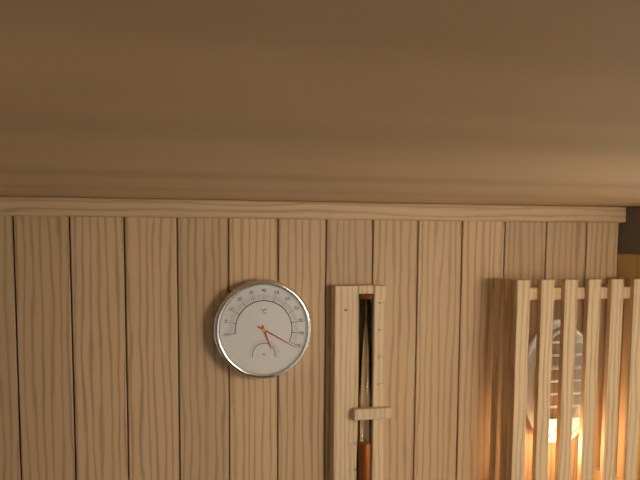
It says h=5 m=20
